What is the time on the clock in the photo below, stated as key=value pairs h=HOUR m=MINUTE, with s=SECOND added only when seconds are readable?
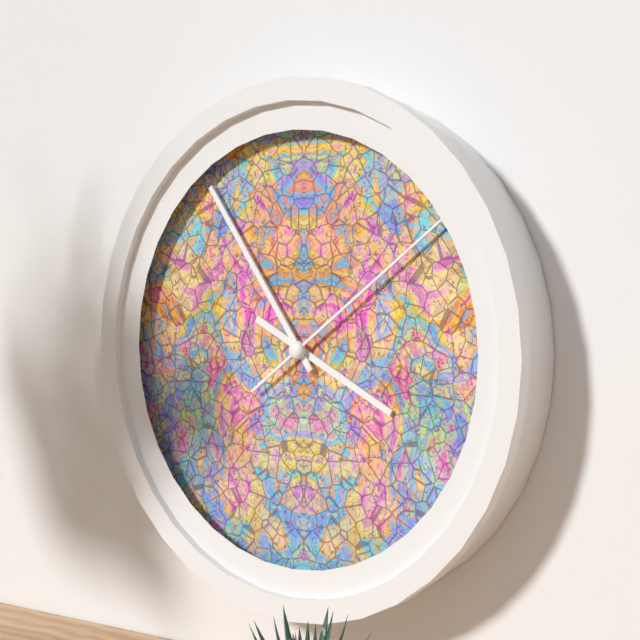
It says h=3 m=54 s=9
